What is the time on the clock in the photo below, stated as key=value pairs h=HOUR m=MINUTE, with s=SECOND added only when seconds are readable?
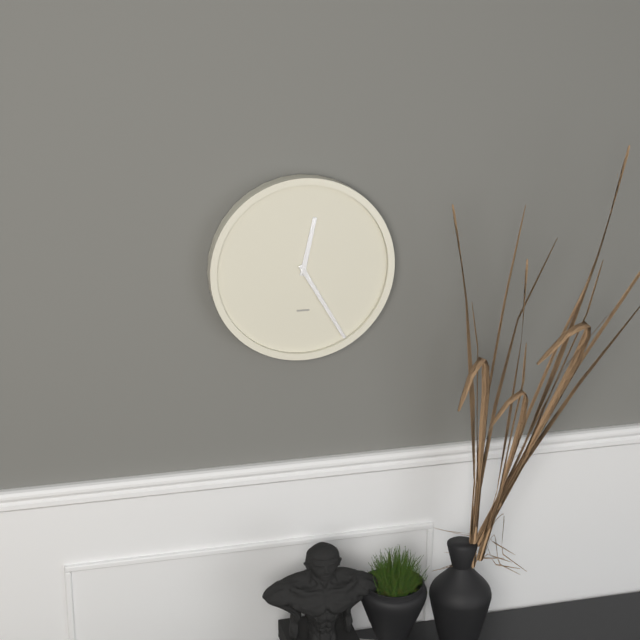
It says h=12 m=25
